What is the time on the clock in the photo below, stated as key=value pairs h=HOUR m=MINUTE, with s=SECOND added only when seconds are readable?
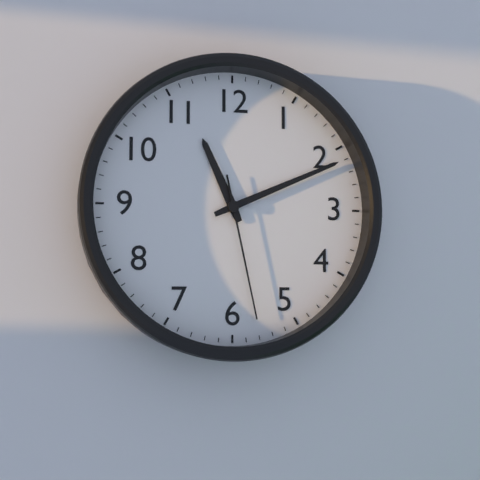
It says h=11 m=11 s=28
